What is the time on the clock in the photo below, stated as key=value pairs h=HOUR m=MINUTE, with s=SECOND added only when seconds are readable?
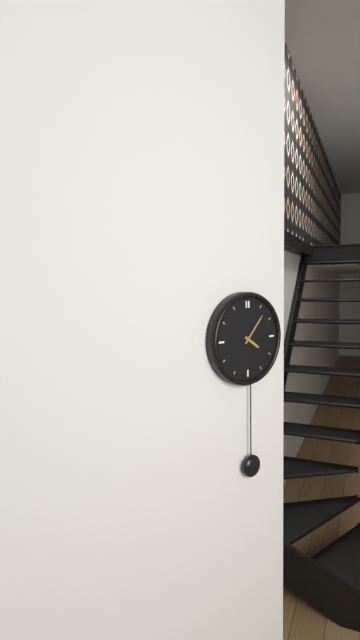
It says h=4 m=7
